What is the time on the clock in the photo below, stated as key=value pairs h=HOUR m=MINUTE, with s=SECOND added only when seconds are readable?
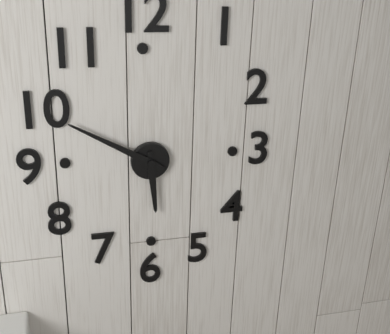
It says h=5 m=50
